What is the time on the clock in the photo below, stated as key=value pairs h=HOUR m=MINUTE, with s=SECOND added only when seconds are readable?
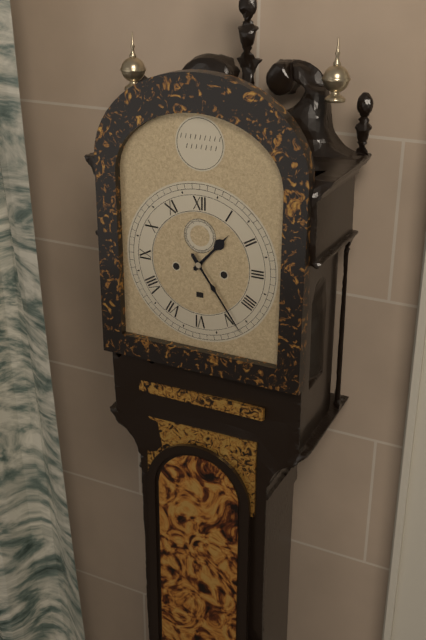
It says h=1 m=24
